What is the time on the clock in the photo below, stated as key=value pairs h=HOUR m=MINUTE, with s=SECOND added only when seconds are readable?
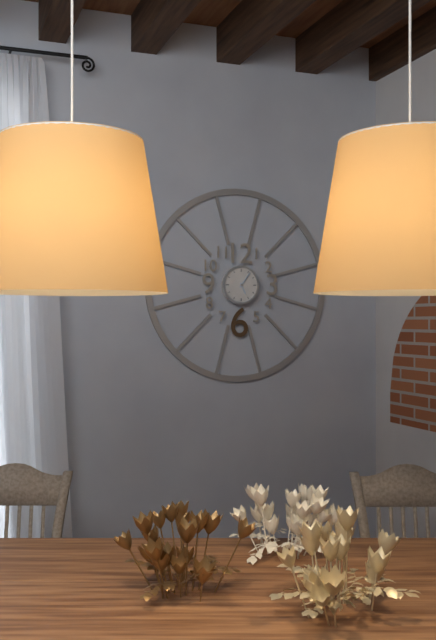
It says h=5 m=6
